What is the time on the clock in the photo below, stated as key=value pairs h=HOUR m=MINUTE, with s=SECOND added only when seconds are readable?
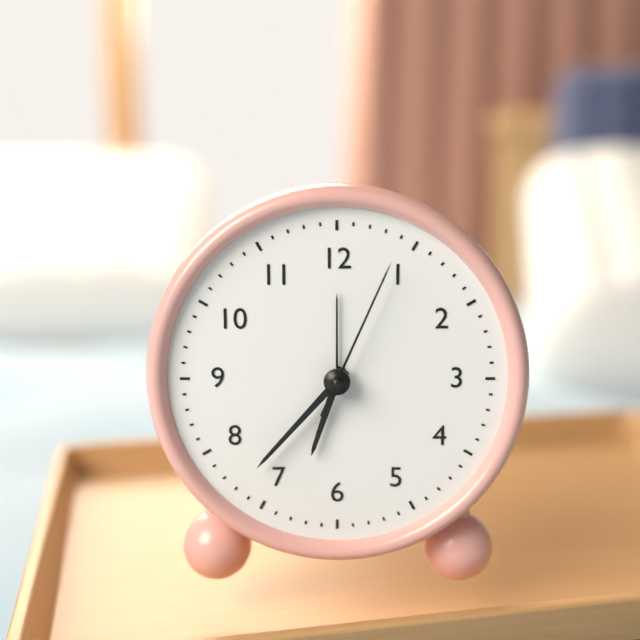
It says h=6 m=37 s=4
